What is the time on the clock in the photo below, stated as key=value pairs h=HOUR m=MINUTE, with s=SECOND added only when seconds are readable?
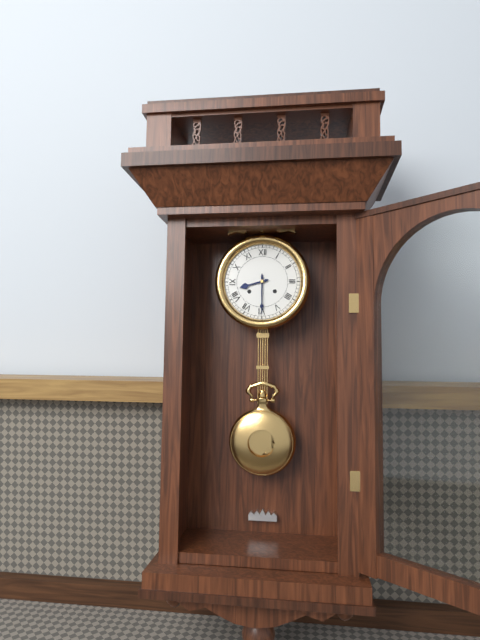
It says h=8 m=30
